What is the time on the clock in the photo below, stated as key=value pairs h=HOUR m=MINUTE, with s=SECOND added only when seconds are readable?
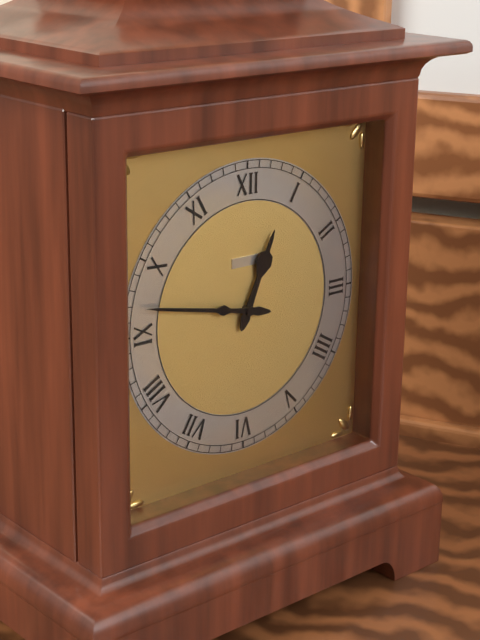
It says h=12 m=47
